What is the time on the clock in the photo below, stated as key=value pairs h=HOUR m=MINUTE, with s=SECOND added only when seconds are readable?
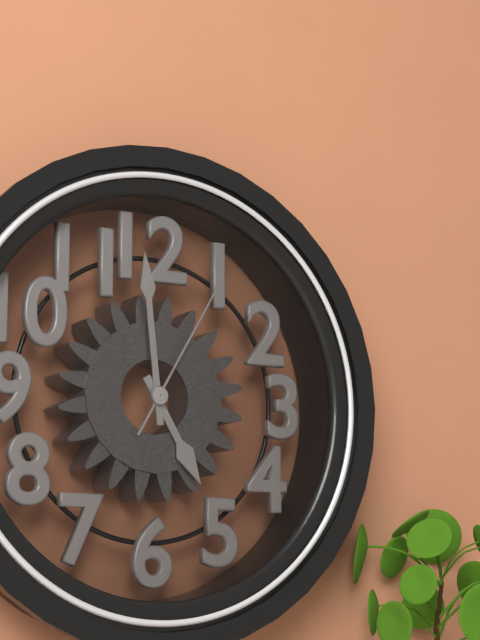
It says h=4 m=59 s=5
